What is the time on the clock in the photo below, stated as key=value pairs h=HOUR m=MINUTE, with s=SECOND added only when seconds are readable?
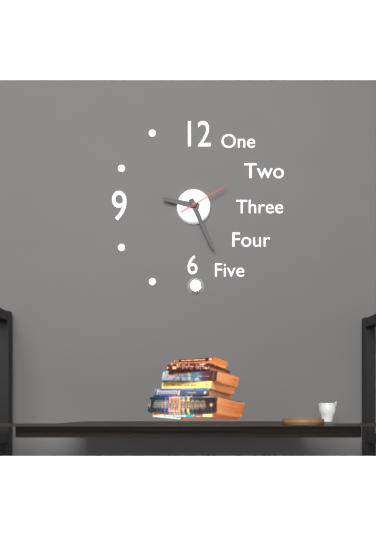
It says h=9 m=26
